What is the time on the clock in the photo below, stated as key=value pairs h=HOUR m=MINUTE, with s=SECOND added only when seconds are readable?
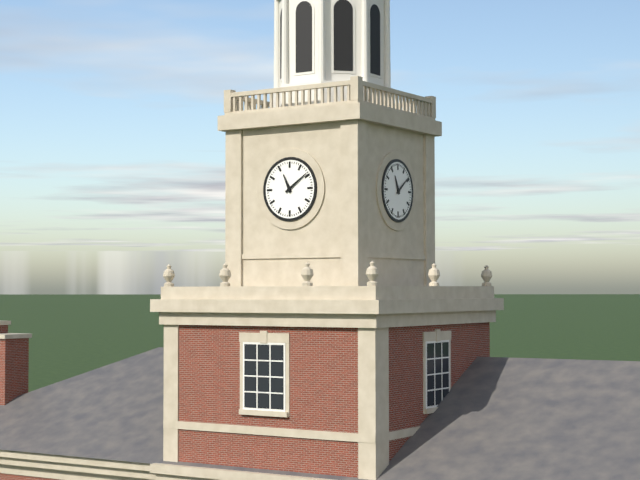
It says h=11 m=9
